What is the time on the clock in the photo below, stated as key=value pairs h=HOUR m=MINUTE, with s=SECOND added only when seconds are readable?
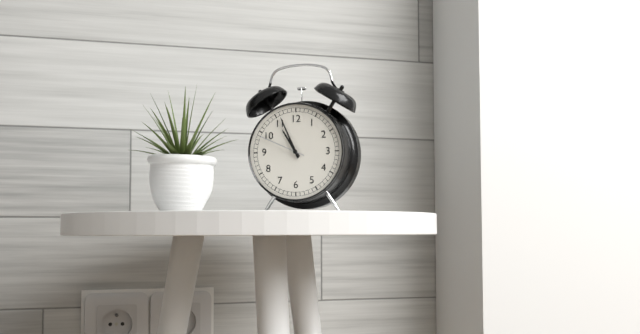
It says h=10 m=56
